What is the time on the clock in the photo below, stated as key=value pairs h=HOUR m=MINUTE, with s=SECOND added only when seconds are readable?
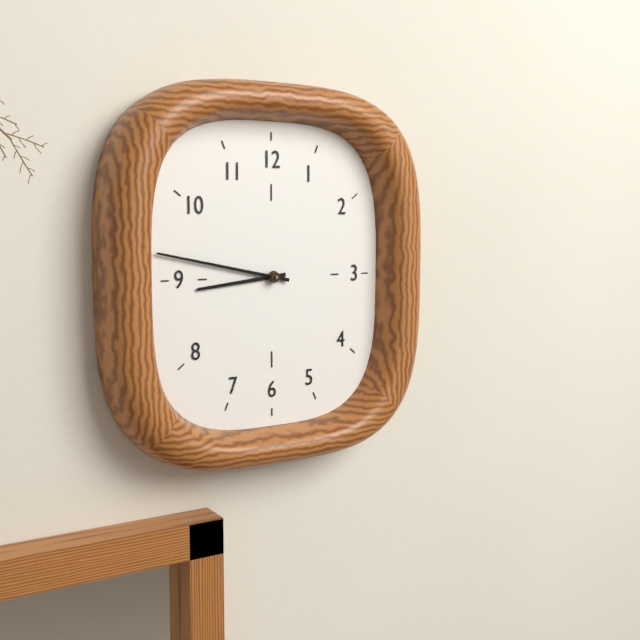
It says h=8 m=47
